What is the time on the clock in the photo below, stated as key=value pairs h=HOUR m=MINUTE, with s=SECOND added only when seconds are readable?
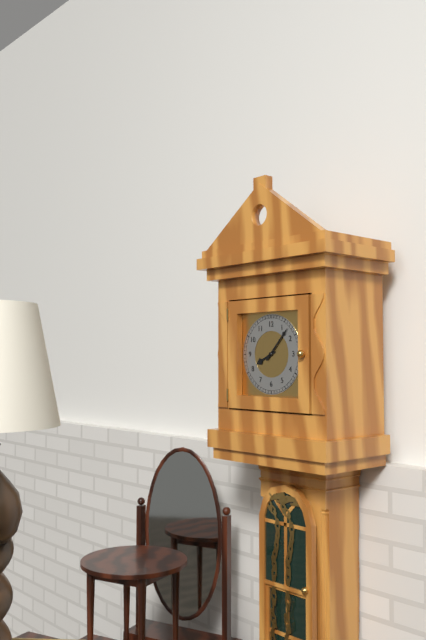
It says h=8 m=7
